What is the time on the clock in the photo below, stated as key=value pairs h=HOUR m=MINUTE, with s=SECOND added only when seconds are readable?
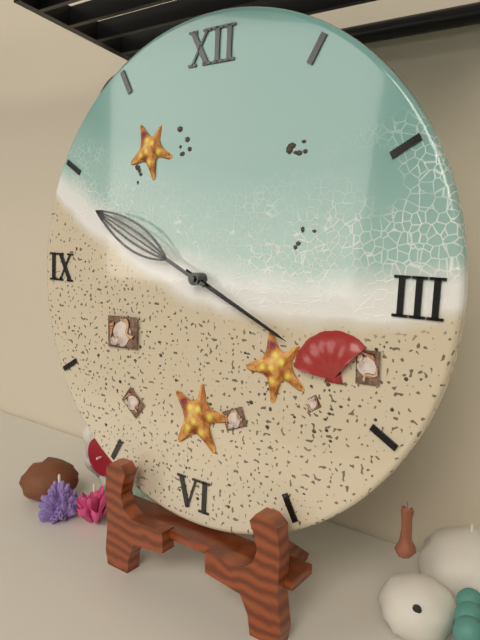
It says h=3 m=49
